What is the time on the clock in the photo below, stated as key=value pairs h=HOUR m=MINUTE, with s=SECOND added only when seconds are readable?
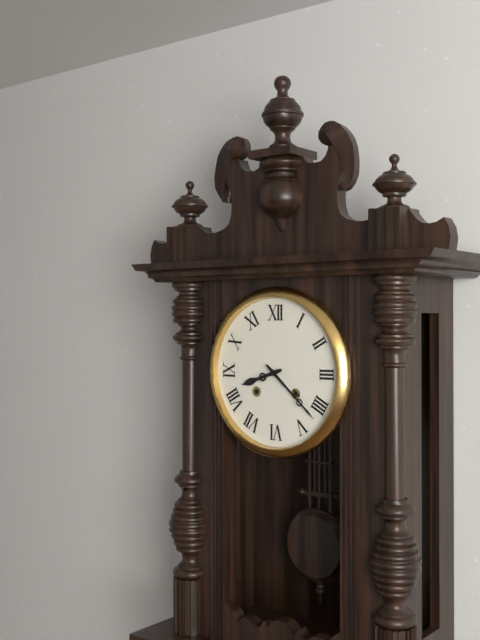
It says h=8 m=22
